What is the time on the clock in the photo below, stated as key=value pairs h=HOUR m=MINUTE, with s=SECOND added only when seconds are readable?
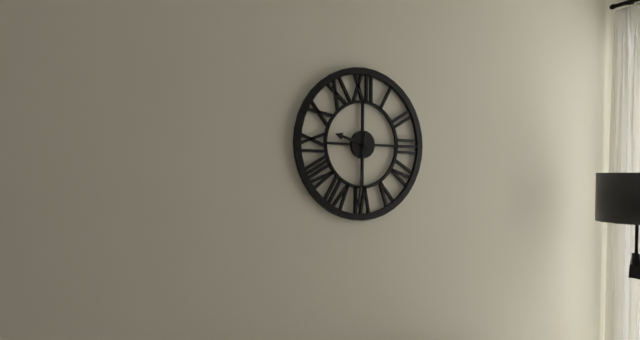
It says h=9 m=31
